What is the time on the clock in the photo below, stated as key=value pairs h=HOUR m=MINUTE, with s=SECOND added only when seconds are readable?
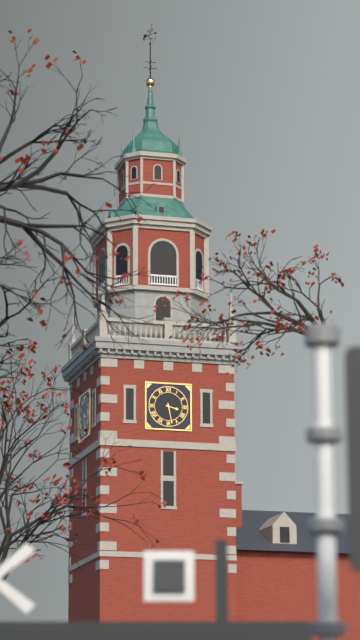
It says h=3 m=28
